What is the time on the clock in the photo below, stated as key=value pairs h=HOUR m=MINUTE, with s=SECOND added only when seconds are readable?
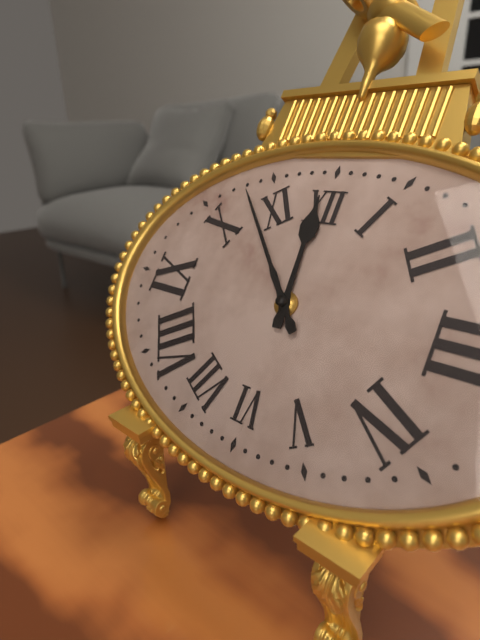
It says h=11 m=53
